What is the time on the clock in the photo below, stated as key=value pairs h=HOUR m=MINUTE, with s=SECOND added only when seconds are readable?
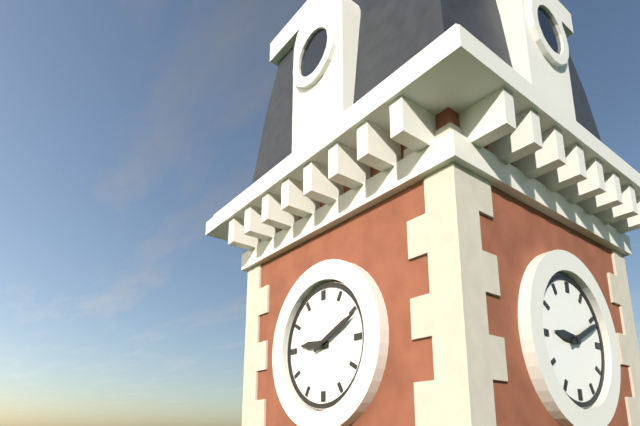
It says h=9 m=11
